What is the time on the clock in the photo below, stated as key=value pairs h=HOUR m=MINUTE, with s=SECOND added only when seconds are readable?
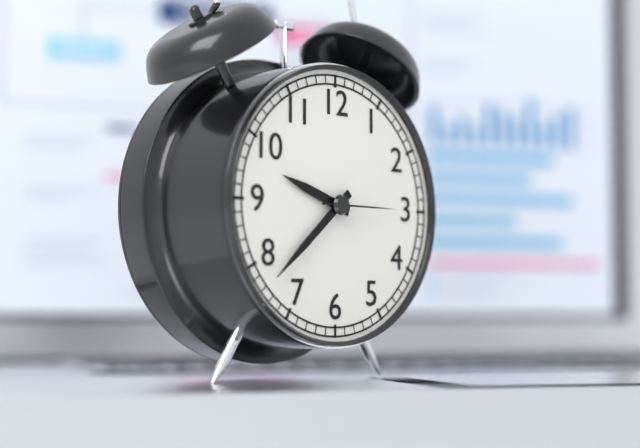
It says h=9 m=38 s=15
